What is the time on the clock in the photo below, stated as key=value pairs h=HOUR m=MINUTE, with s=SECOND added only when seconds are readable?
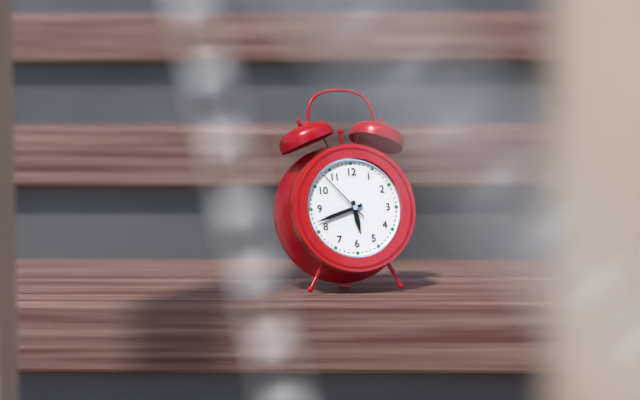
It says h=5 m=42 s=53
